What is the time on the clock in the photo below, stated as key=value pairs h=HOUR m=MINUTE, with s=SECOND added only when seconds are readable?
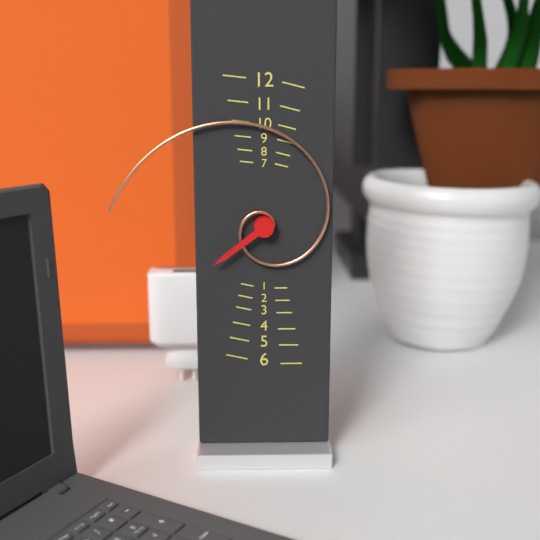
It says h=7 m=46
